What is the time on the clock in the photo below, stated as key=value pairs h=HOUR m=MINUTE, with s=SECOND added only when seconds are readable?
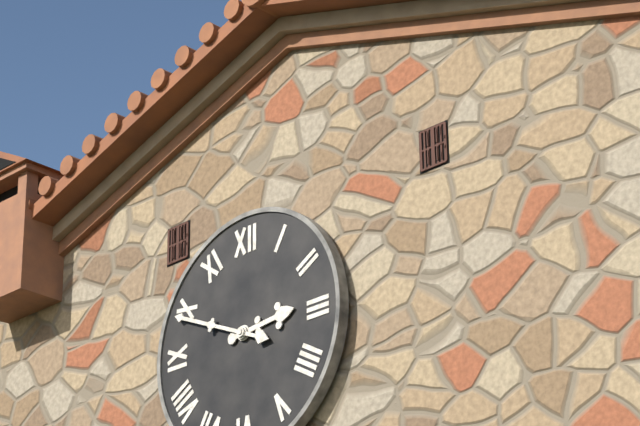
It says h=2 m=49
